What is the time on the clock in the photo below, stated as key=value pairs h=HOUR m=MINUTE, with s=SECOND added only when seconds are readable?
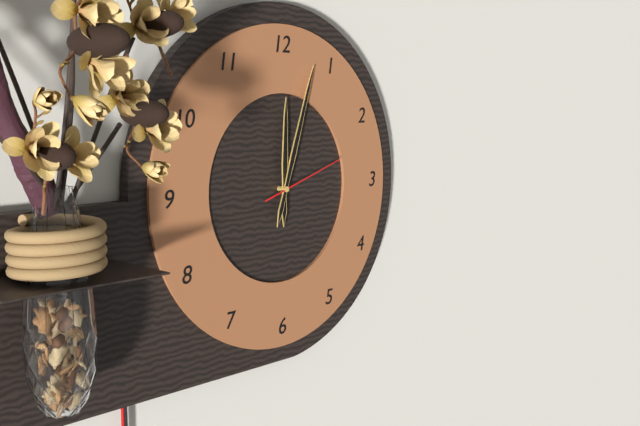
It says h=12 m=3 s=12
